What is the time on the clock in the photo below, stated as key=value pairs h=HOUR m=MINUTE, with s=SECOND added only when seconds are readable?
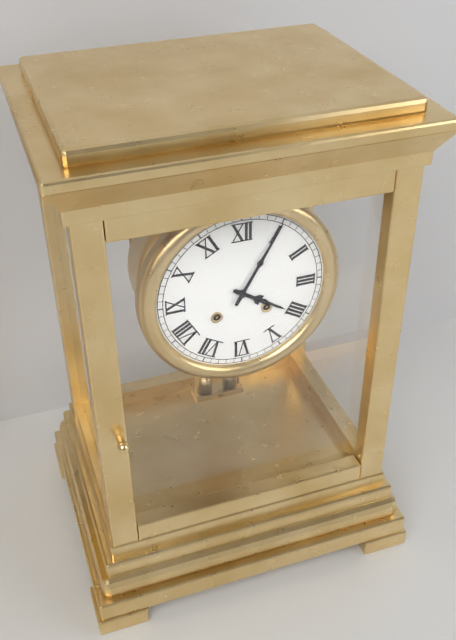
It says h=4 m=5
